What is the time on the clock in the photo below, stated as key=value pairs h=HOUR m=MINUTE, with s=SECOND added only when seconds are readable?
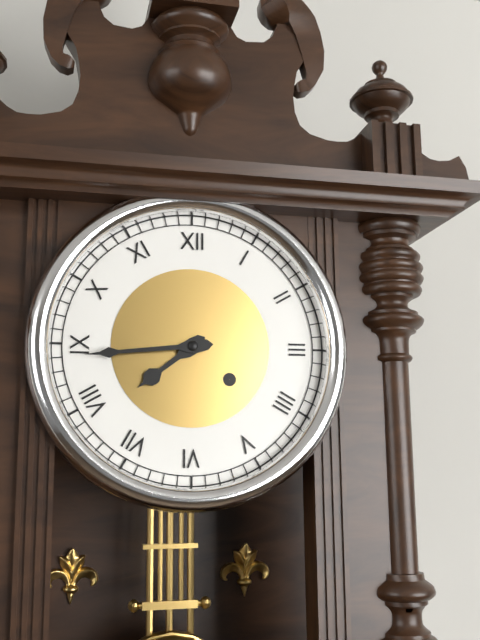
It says h=7 m=44
